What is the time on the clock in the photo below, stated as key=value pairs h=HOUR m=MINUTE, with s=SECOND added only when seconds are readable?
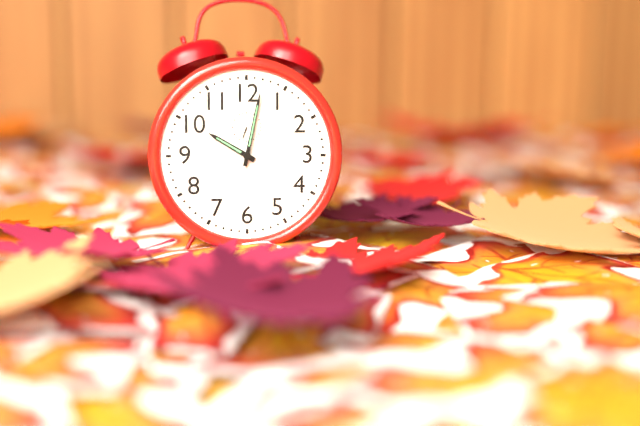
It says h=10 m=2
